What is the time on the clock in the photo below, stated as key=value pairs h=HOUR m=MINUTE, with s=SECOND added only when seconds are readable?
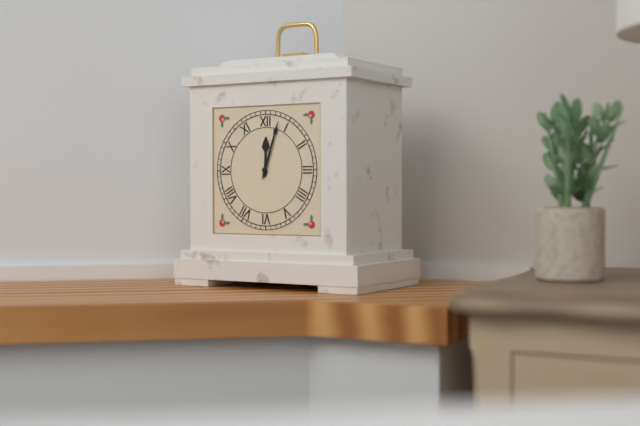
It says h=12 m=3
